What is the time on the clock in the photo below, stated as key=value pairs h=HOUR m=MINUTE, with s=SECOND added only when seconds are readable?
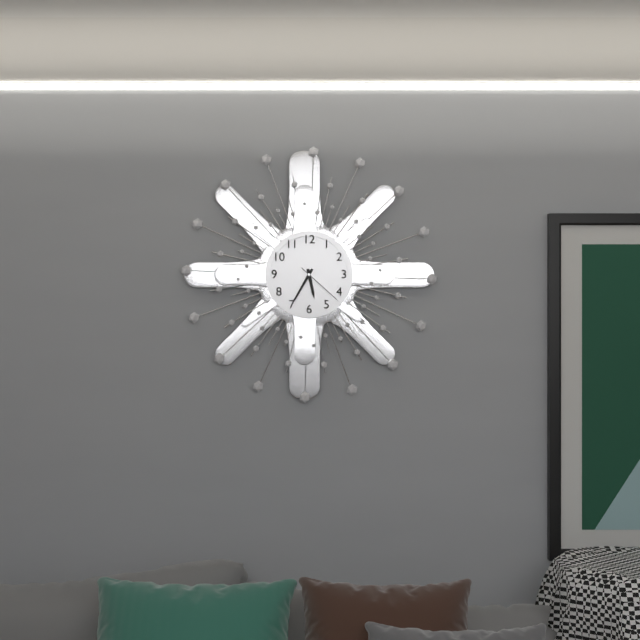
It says h=5 m=35
